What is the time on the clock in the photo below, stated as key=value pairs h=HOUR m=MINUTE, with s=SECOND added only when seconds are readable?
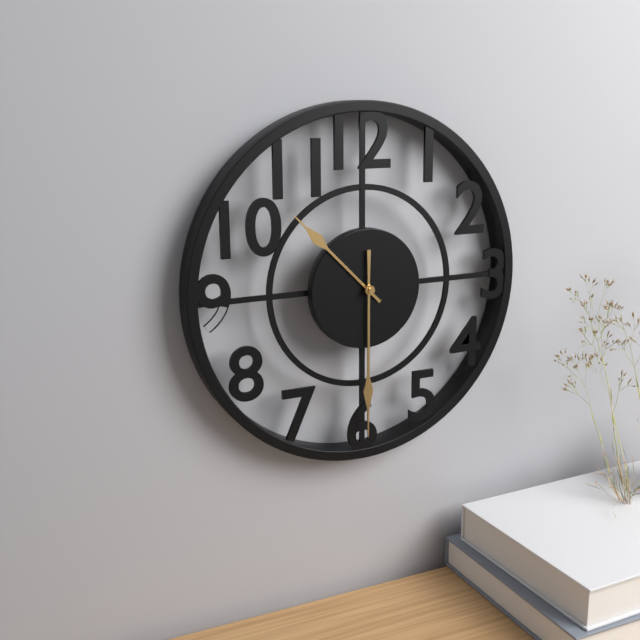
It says h=10 m=30
